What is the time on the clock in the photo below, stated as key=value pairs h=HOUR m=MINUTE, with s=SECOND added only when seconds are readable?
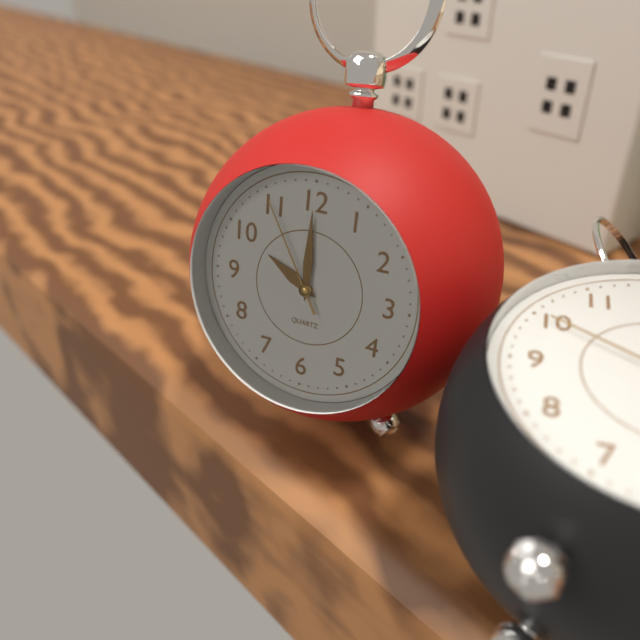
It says h=10 m=0 s=55
